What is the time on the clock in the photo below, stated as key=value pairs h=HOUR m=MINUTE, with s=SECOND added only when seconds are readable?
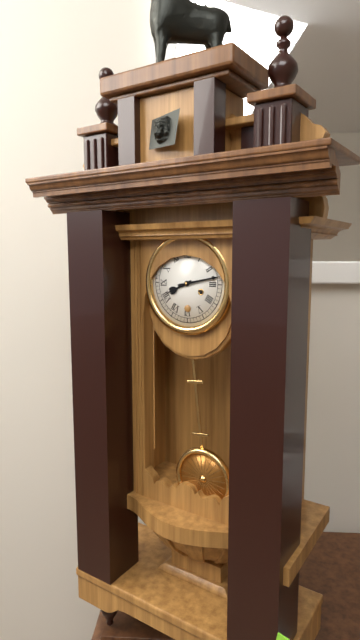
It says h=8 m=13
